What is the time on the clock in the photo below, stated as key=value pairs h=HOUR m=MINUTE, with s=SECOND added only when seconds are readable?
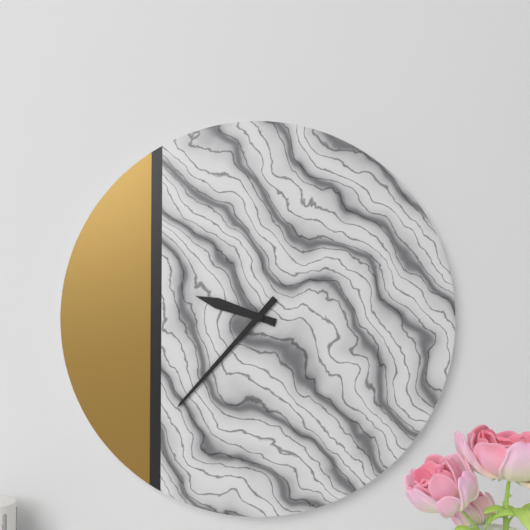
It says h=9 m=37
